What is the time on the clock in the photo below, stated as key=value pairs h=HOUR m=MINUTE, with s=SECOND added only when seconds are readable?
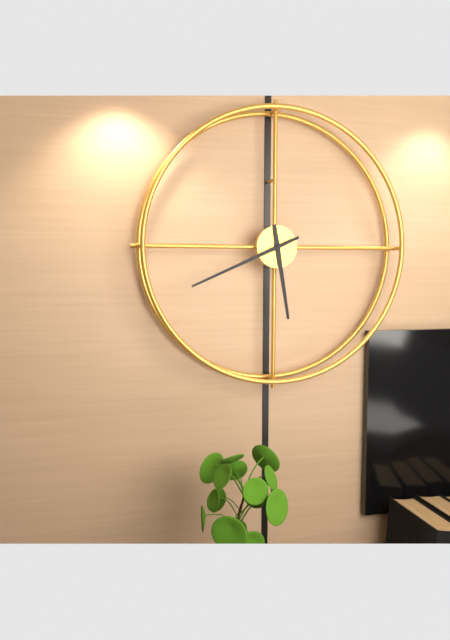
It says h=5 m=41
